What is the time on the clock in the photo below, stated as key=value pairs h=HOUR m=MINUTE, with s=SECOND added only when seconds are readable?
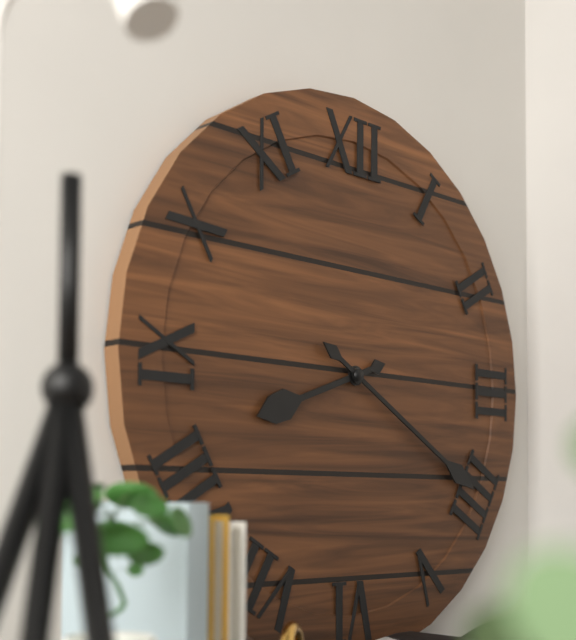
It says h=8 m=20
